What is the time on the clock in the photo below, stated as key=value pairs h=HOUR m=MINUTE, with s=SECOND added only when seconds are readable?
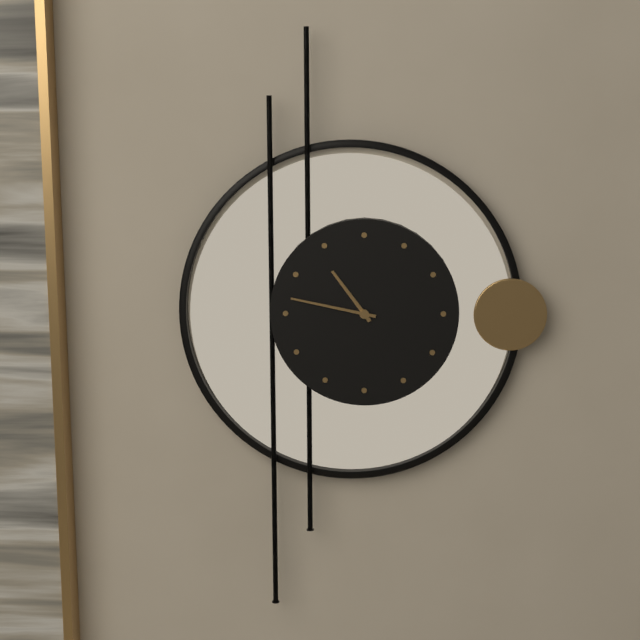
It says h=10 m=47
